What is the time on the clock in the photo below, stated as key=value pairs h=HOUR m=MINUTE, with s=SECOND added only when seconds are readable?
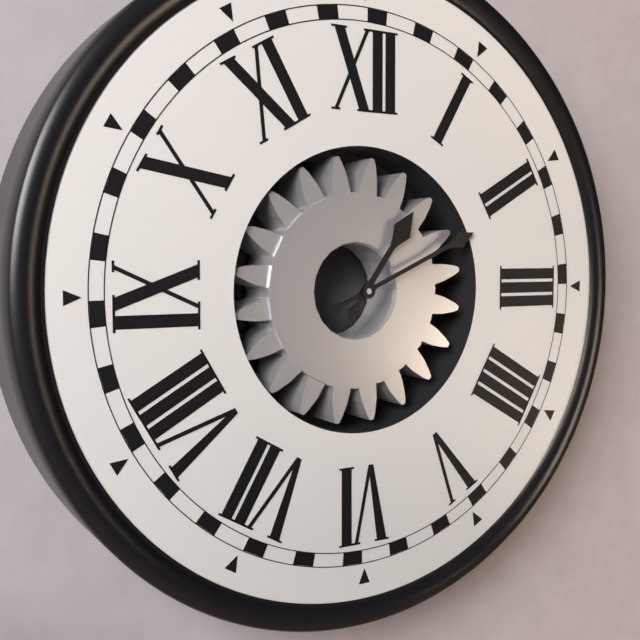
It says h=1 m=11
